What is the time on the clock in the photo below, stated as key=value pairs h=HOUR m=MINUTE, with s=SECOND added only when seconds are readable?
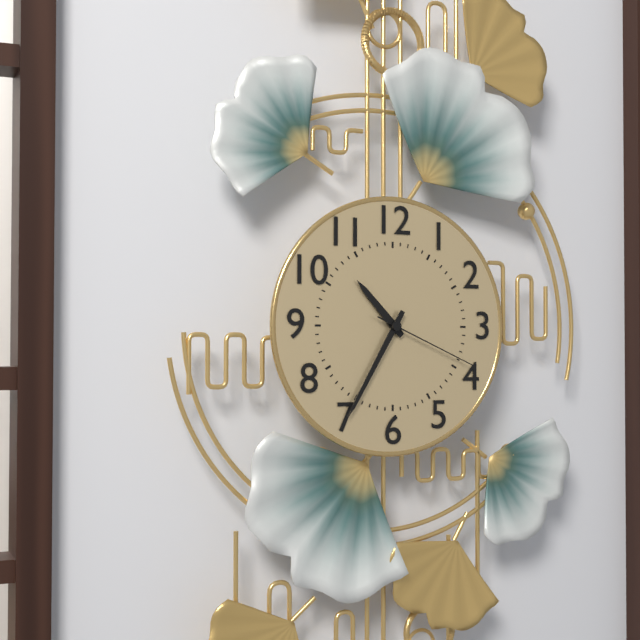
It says h=10 m=35 s=19
